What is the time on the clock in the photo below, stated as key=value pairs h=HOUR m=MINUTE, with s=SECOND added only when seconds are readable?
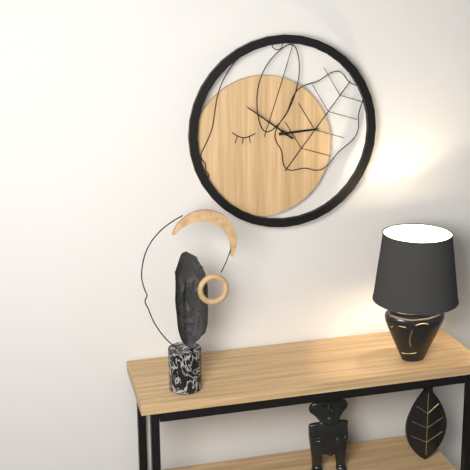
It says h=2 m=51
